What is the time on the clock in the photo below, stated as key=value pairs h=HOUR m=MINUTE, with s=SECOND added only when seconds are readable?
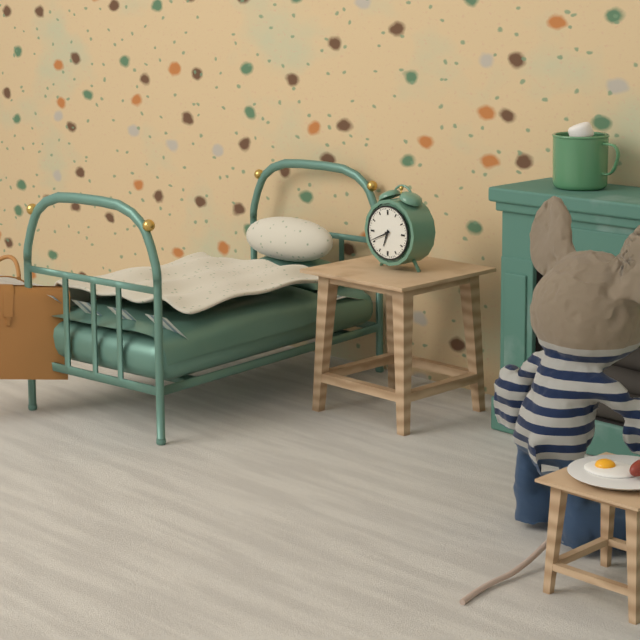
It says h=6 m=41
